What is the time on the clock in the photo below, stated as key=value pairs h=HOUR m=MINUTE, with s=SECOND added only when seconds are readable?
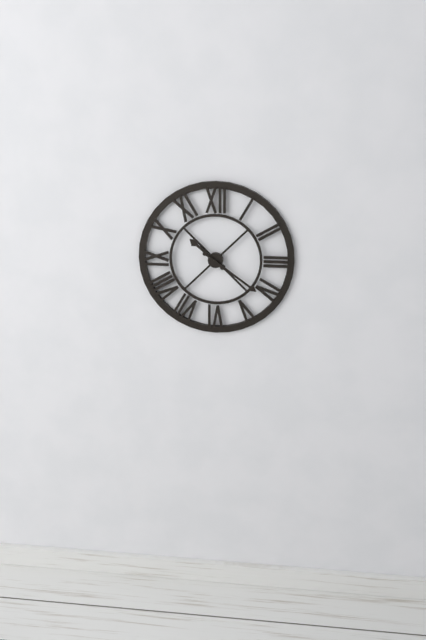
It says h=10 m=21
